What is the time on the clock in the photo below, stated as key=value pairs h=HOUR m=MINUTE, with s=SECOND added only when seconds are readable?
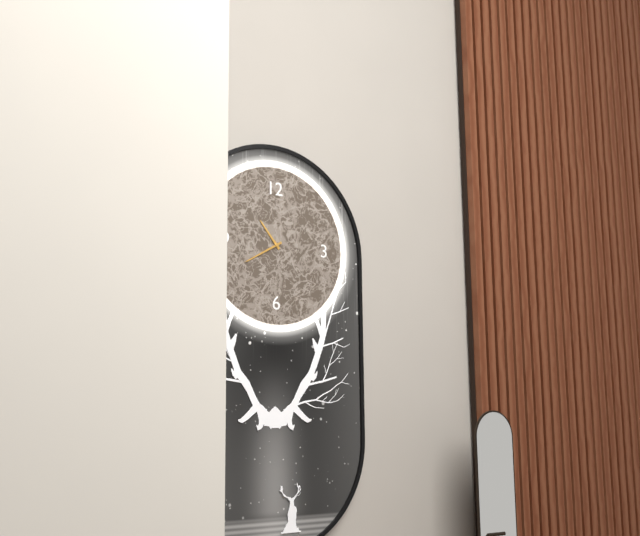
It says h=10 m=40
